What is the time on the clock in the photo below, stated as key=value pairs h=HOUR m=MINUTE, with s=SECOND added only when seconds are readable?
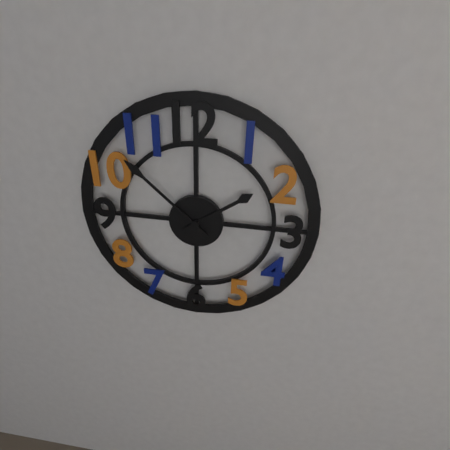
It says h=1 m=52
